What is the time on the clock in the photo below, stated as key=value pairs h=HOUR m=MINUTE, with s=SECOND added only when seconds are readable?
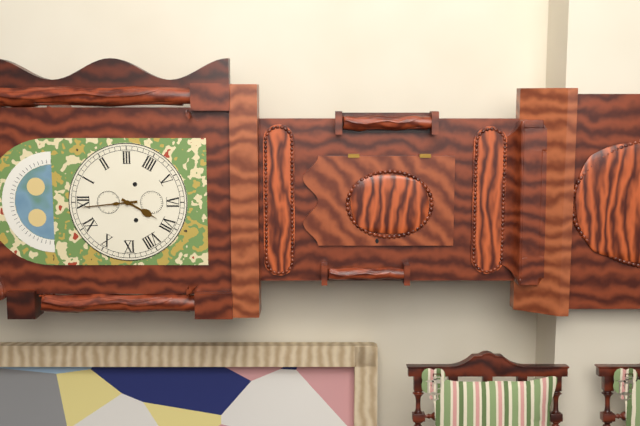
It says h=6 m=59
